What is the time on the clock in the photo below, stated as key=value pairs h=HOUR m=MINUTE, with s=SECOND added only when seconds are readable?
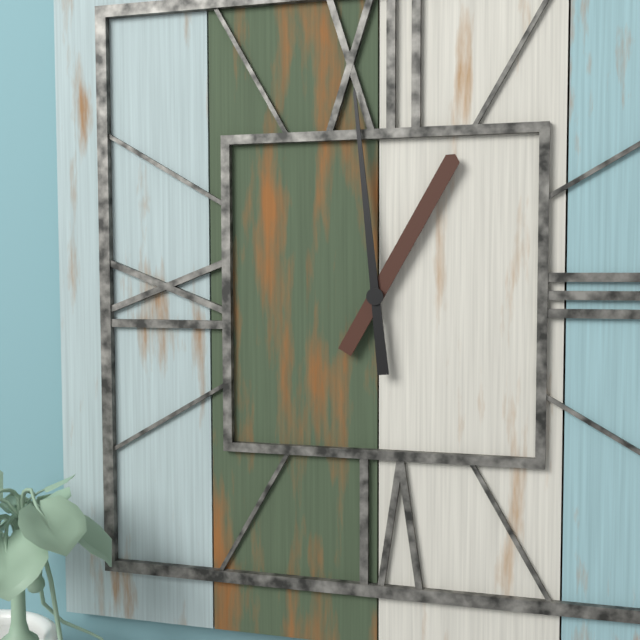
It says h=12 m=59
